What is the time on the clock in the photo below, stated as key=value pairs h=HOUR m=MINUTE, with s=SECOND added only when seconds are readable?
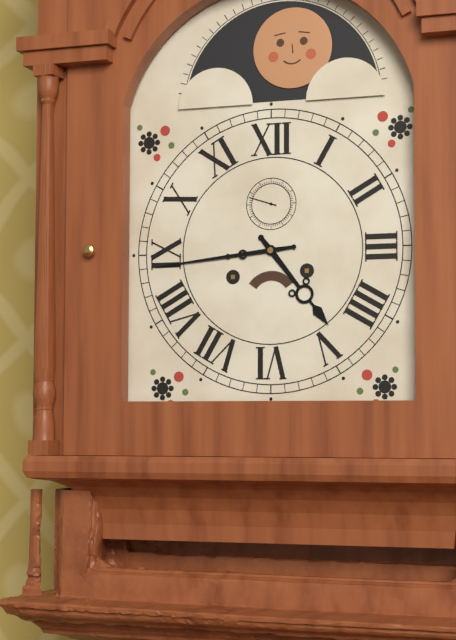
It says h=4 m=44
